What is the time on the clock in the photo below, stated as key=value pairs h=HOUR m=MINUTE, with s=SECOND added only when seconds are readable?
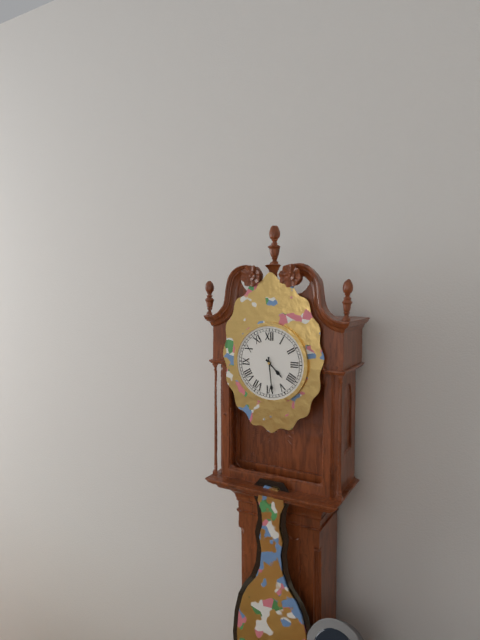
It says h=4 m=29
